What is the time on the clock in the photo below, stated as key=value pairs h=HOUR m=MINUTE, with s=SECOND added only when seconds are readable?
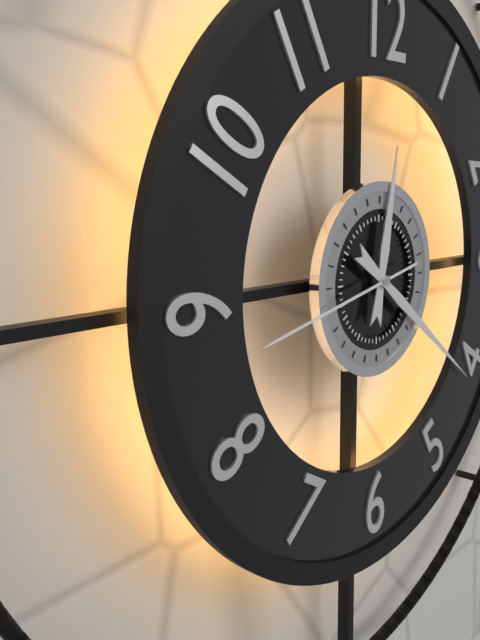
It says h=12 m=21 s=43
